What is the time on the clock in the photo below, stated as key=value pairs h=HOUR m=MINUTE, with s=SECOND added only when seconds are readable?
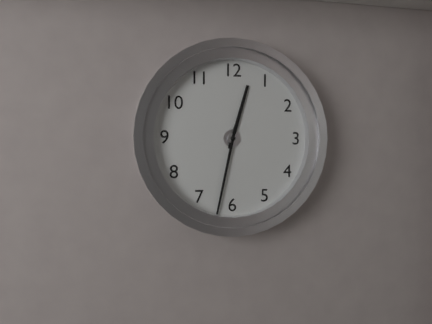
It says h=12 m=32
